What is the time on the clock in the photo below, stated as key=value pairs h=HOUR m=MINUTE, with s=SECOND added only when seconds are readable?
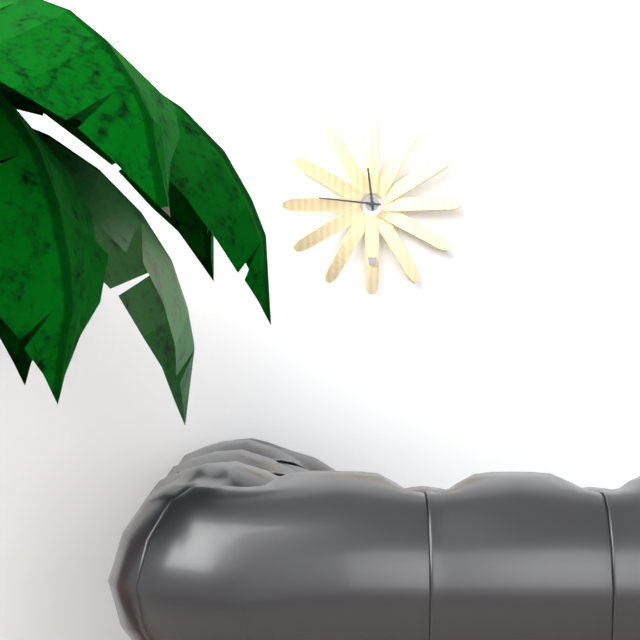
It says h=11 m=46
